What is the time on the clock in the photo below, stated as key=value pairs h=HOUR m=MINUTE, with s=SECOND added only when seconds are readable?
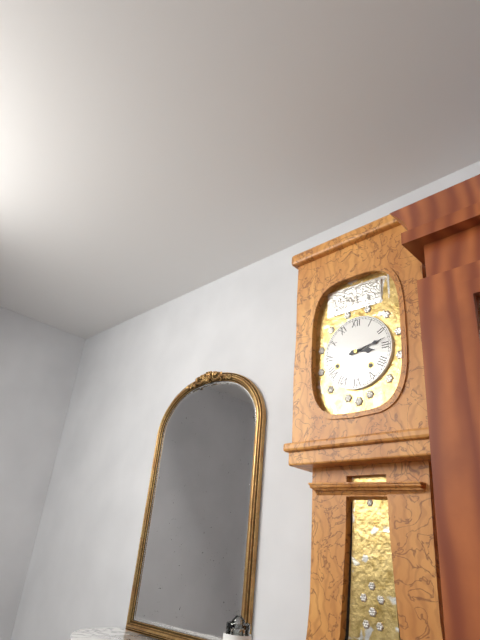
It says h=3 m=13
